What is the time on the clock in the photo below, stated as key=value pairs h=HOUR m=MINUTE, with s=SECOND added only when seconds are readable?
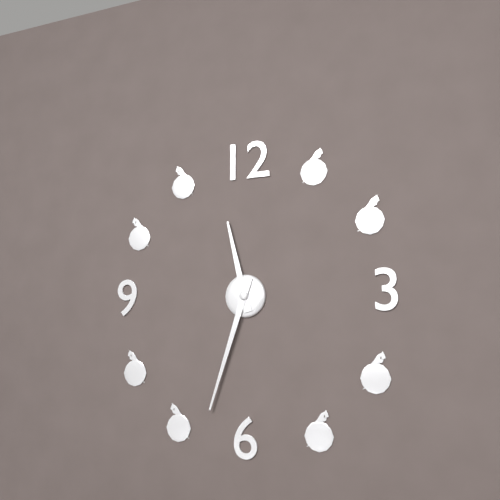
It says h=11 m=33
